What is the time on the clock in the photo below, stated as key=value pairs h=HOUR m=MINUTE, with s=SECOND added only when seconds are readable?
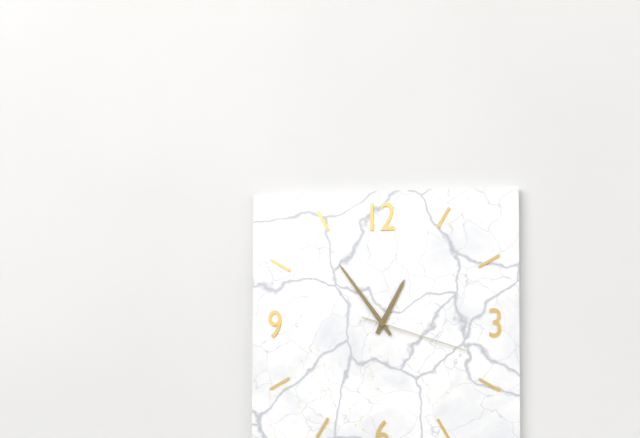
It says h=12 m=54 s=18
